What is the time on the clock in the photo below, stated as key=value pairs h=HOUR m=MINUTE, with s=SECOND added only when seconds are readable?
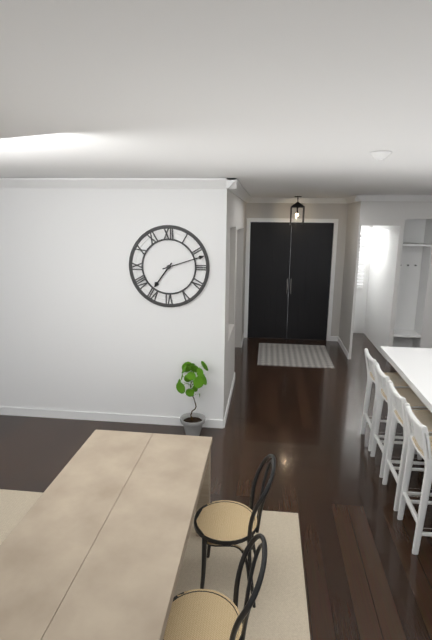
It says h=7 m=12
